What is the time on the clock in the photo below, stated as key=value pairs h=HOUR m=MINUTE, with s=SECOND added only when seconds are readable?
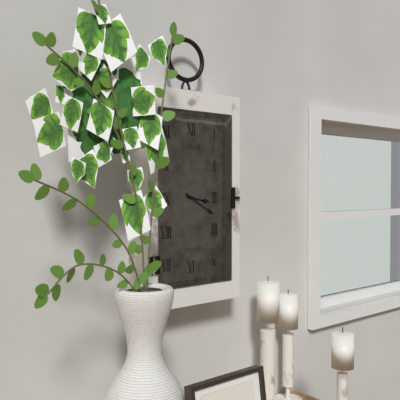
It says h=3 m=20
